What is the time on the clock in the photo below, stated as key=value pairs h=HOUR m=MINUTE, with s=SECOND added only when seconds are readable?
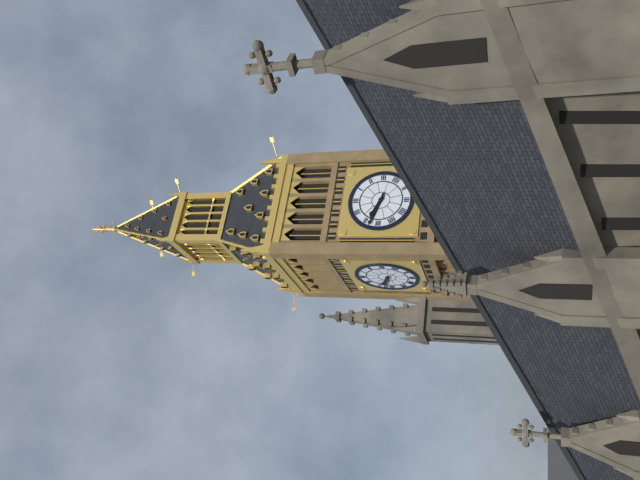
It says h=9 m=48
